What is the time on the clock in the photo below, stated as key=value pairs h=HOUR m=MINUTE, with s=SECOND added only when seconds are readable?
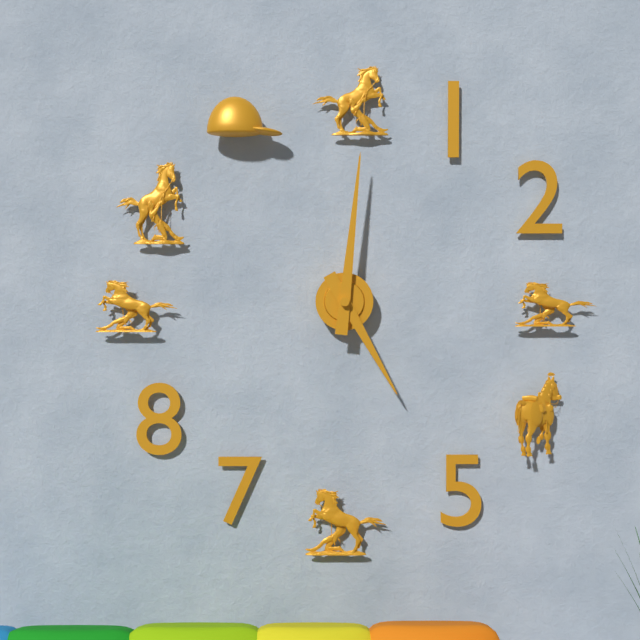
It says h=5 m=1
